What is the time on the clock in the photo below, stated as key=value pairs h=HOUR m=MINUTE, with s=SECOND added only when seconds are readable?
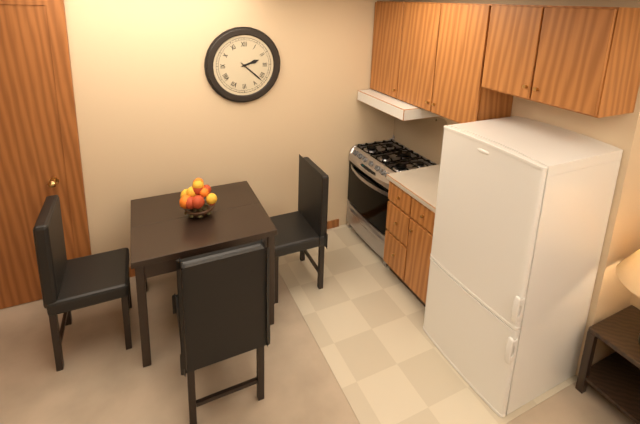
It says h=2 m=22
